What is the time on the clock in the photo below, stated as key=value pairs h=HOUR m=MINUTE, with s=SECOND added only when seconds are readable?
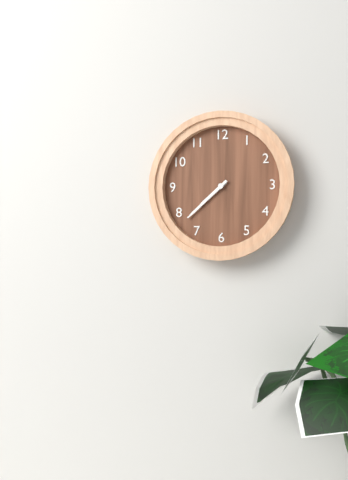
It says h=7 m=38
